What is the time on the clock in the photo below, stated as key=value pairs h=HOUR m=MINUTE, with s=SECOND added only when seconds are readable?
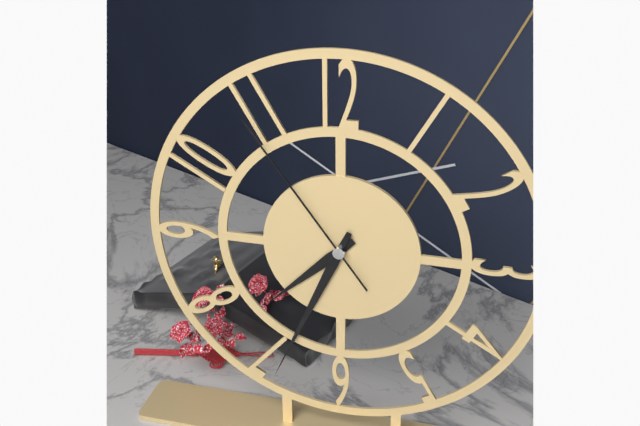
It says h=7 m=34 s=54
